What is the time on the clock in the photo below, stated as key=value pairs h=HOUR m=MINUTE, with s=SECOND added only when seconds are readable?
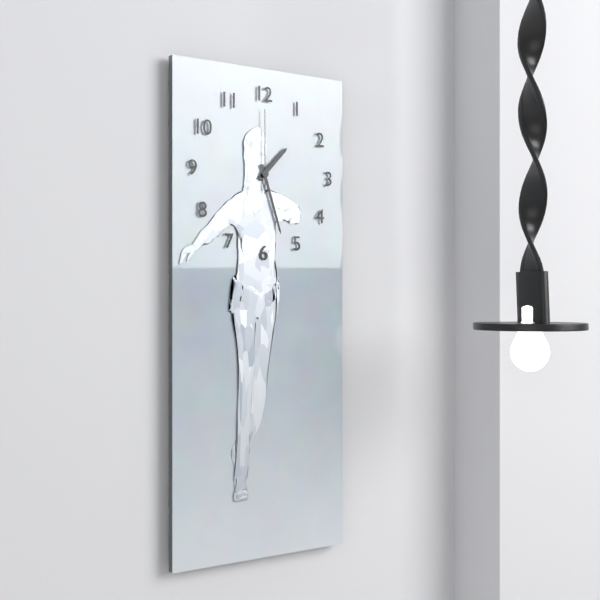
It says h=1 m=27 s=0
